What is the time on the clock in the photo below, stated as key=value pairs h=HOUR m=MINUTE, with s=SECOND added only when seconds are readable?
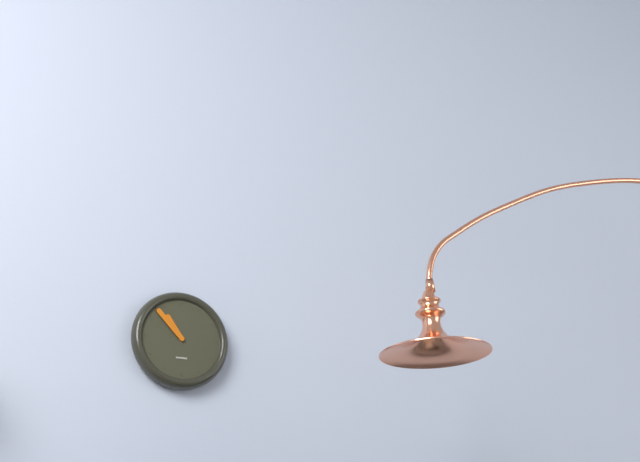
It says h=10 m=53
